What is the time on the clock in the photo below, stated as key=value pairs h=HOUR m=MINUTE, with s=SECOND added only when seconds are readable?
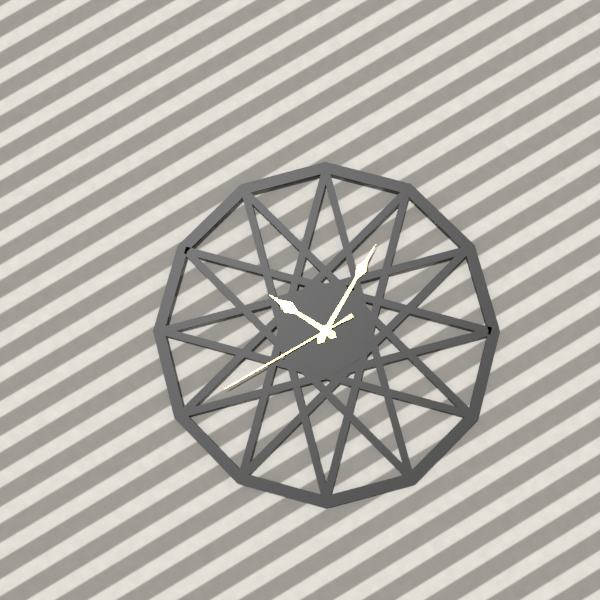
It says h=10 m=5 s=40
